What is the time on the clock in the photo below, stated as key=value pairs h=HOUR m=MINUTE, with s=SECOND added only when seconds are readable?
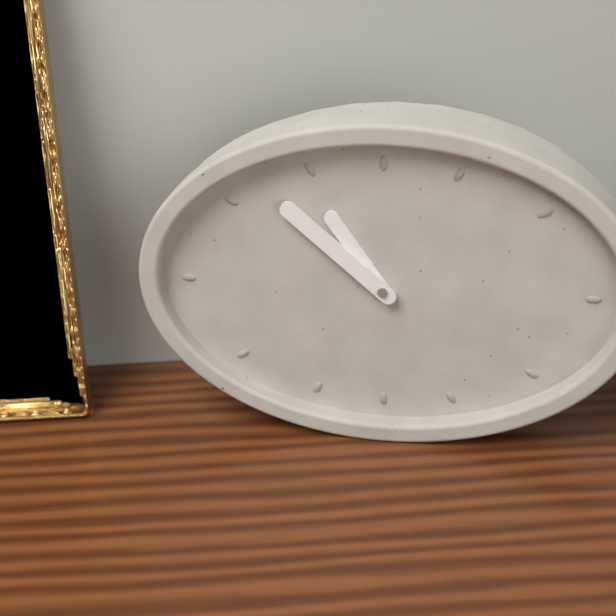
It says h=10 m=52
